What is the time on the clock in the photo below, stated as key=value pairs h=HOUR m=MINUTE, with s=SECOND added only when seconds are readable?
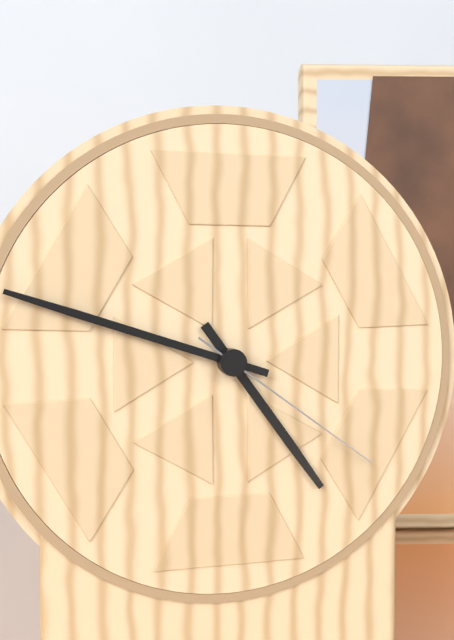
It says h=4 m=48 s=21
